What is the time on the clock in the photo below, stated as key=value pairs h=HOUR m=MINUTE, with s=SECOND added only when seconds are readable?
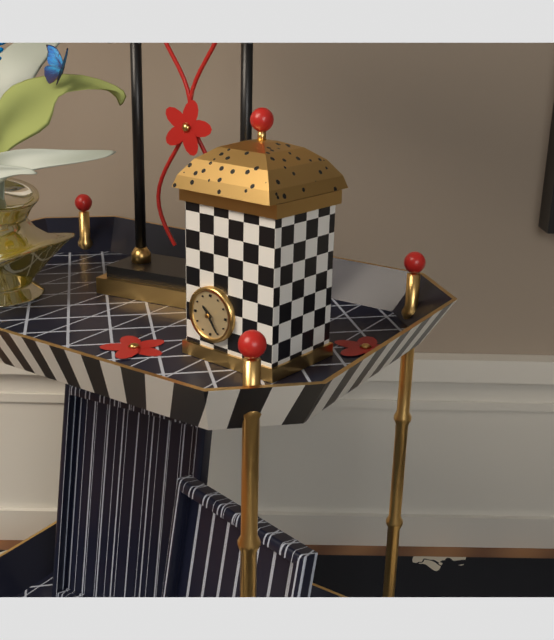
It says h=10 m=24
